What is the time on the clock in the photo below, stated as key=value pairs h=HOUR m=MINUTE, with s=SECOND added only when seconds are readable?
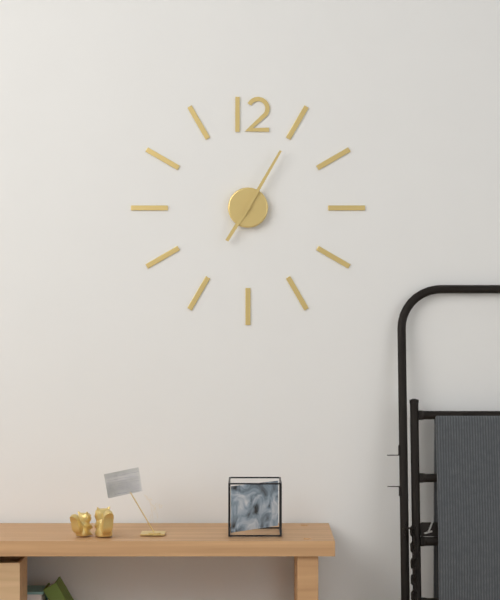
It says h=7 m=5
